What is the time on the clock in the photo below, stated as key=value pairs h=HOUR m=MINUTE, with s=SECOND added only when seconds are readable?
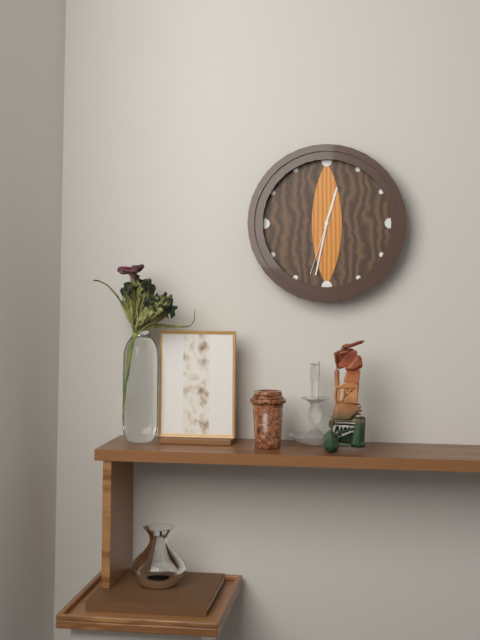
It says h=12 m=32 s=33
